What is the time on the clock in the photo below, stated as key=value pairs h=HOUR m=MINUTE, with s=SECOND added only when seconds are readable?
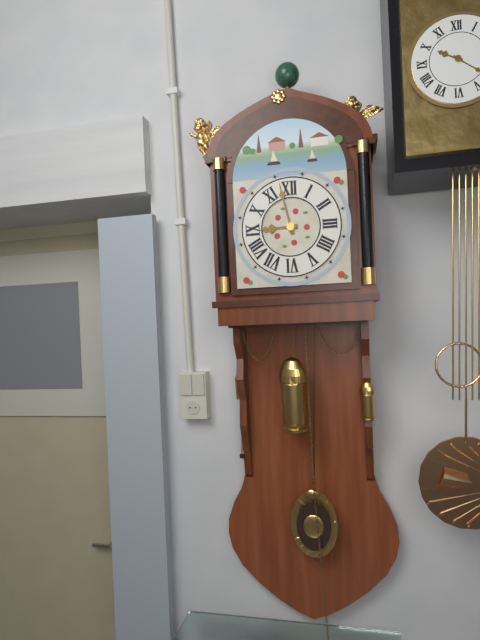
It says h=8 m=58
